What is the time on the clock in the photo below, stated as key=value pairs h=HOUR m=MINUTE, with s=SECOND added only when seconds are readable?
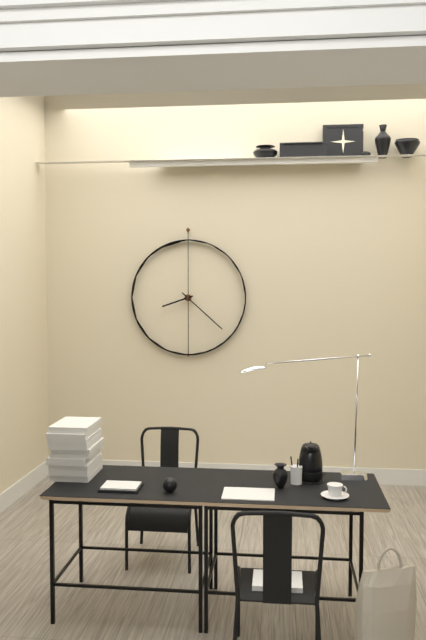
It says h=8 m=22
